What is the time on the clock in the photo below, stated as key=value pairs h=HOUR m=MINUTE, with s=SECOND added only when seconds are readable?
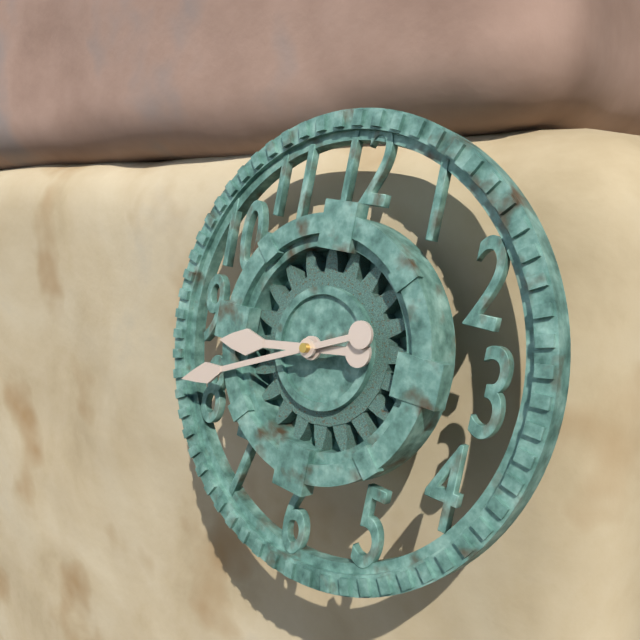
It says h=8 m=41
